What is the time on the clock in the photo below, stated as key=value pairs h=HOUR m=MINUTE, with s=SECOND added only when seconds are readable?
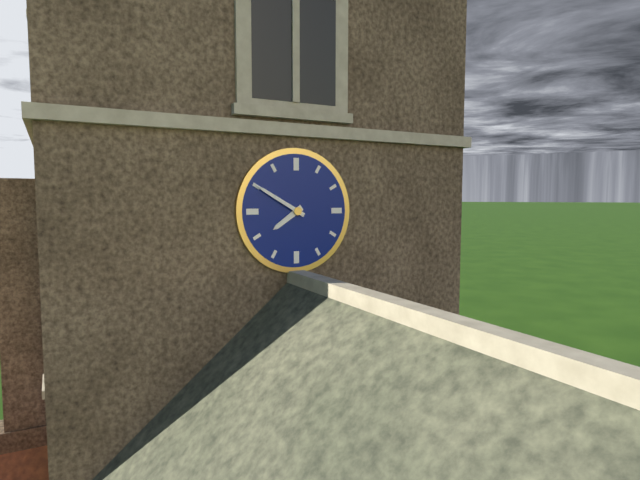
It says h=7 m=50
